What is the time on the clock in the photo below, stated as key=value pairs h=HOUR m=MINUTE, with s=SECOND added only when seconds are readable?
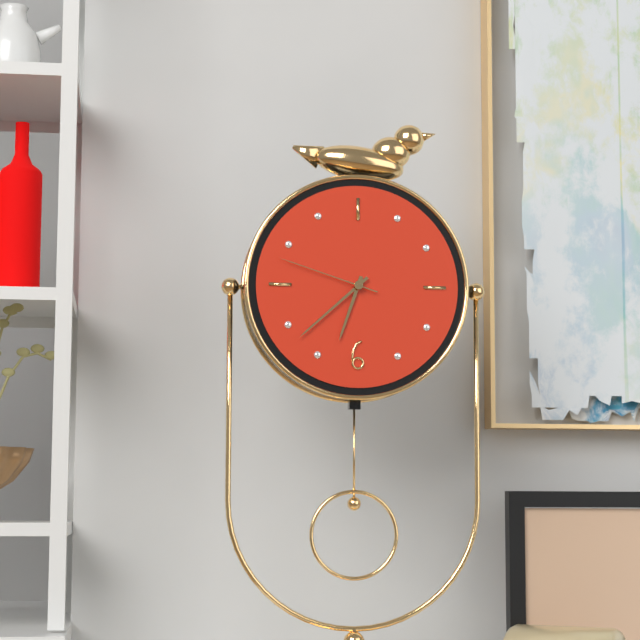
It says h=6 m=38 s=48
